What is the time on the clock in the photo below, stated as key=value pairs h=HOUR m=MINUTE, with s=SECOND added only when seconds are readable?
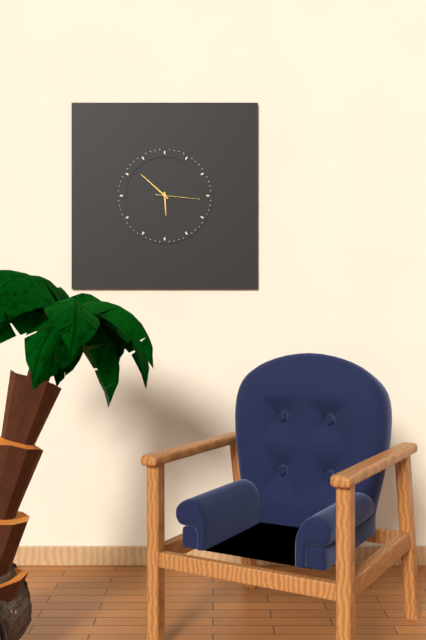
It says h=5 m=52
